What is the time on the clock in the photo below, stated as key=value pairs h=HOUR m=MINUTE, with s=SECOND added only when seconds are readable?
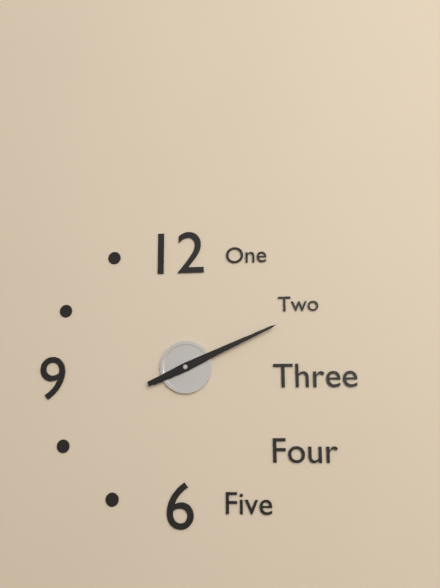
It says h=2 m=11
